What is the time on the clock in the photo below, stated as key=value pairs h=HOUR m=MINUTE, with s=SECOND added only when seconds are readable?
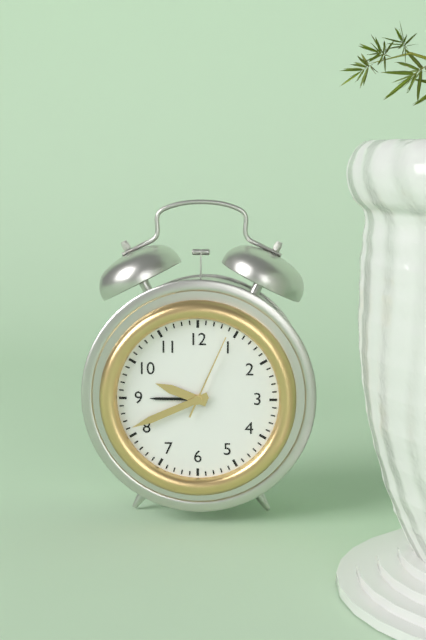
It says h=9 m=41 s=4
